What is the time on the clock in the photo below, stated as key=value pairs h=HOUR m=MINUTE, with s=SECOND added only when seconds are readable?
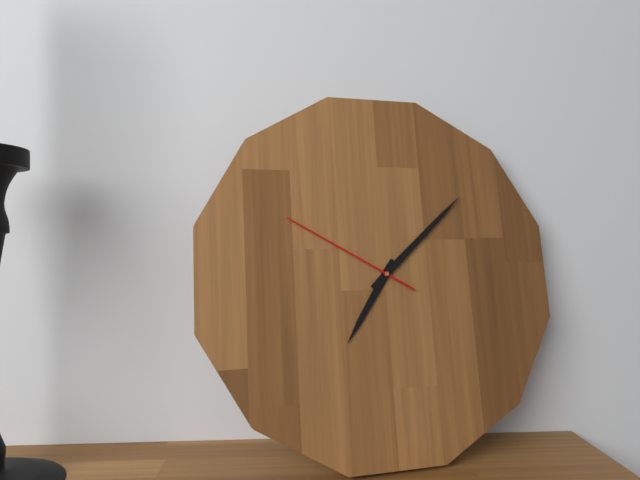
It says h=7 m=8 s=50
